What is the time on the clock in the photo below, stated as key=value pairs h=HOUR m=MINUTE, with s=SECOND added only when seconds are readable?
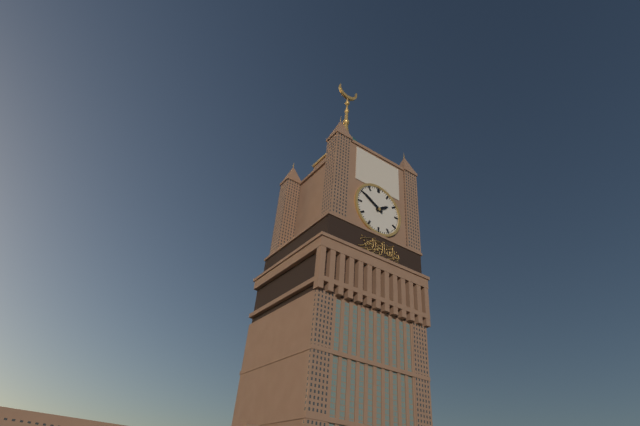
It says h=1 m=50
